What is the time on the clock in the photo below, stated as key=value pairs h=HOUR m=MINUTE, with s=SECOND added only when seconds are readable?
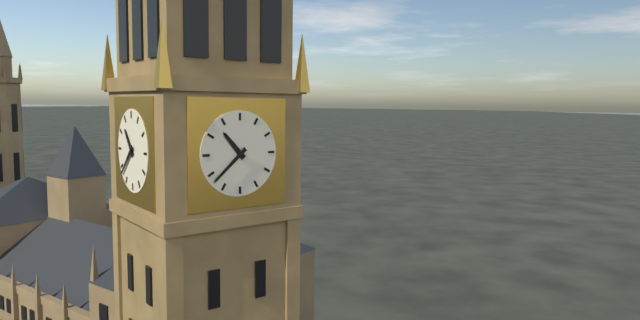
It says h=10 m=38
